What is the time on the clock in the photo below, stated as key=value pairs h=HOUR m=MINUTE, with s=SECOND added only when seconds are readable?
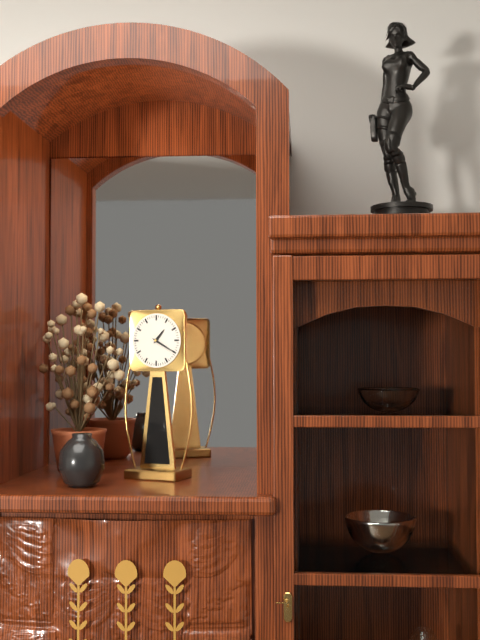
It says h=1 m=20
